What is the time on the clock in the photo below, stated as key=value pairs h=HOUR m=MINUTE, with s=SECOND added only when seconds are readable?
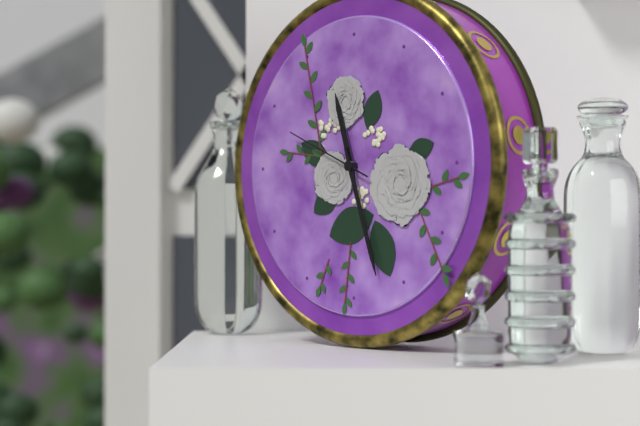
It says h=11 m=27 s=49
